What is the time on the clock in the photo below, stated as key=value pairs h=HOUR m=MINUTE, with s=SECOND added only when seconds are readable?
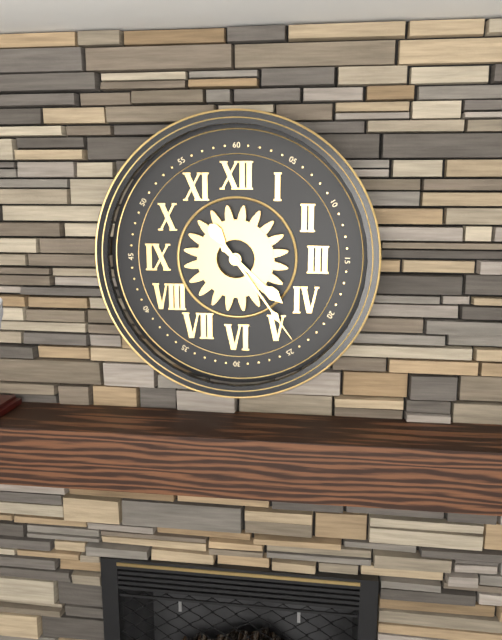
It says h=4 m=24
